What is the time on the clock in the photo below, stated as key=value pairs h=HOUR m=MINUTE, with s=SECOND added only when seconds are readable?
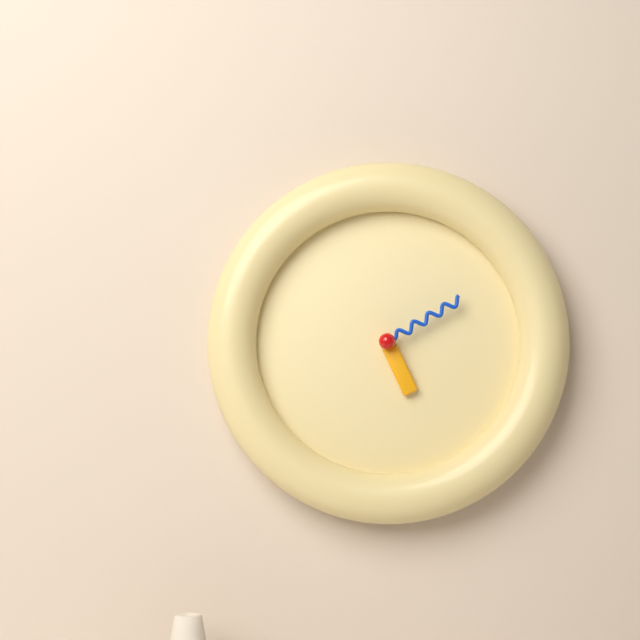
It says h=5 m=10
